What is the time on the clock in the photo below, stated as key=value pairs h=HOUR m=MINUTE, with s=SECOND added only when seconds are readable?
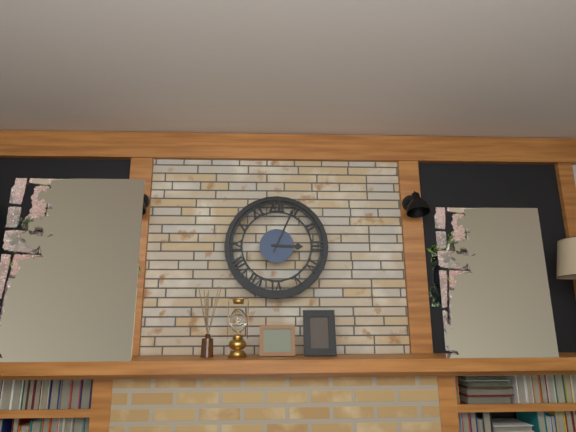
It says h=3 m=4
